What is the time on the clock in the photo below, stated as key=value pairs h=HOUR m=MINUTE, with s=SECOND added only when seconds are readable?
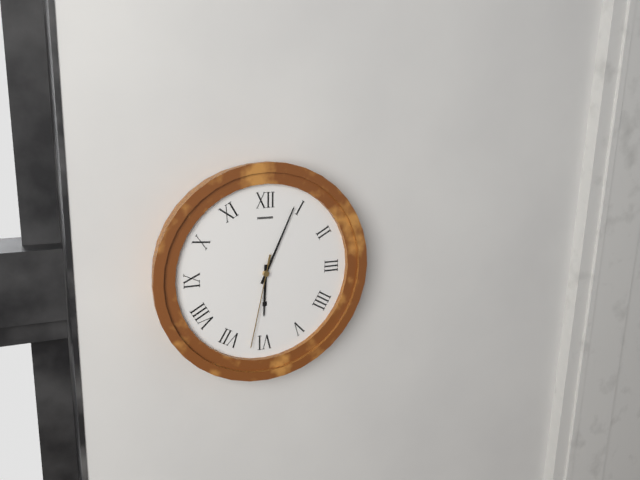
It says h=6 m=4 s=32
